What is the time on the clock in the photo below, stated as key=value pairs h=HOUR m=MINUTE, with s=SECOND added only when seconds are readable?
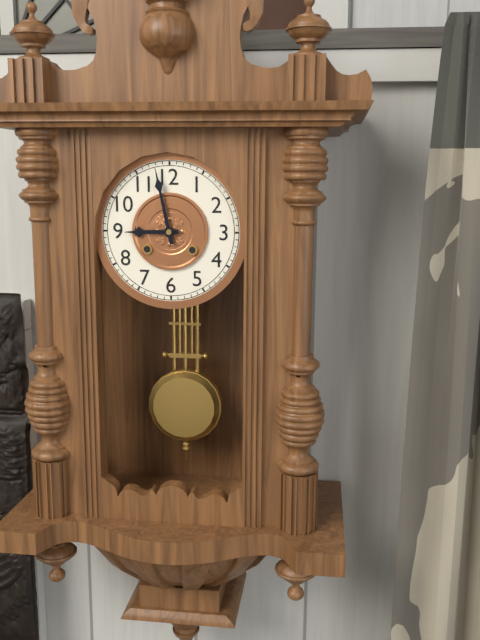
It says h=8 m=58
